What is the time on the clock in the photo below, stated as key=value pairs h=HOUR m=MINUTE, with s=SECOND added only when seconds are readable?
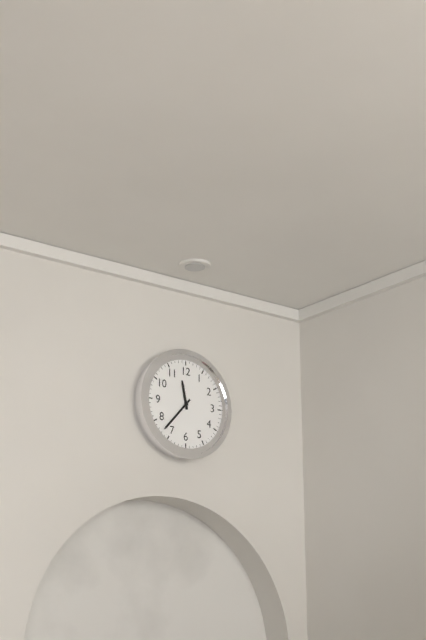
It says h=11 m=37
